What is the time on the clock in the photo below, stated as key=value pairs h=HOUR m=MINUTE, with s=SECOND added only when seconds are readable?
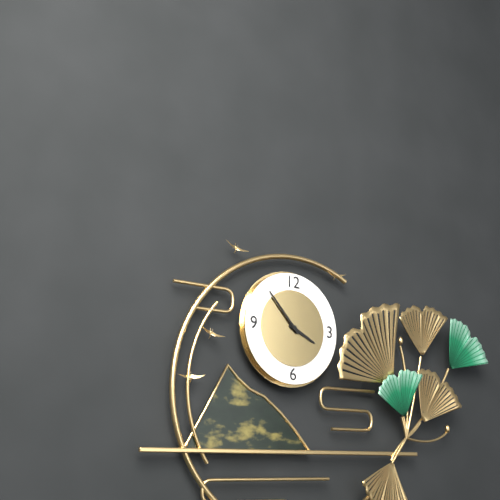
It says h=3 m=53
